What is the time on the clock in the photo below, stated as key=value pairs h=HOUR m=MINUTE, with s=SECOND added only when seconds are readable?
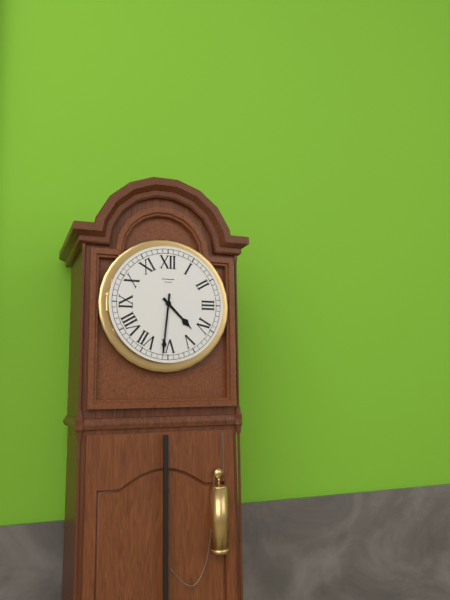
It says h=4 m=31
